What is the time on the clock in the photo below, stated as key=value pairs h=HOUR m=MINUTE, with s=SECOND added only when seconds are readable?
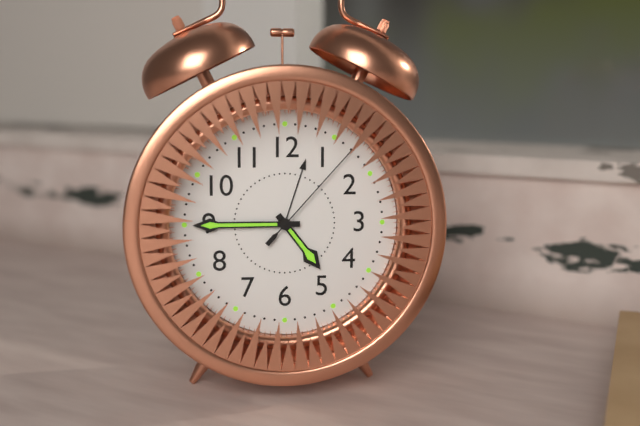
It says h=4 m=45 s=7
